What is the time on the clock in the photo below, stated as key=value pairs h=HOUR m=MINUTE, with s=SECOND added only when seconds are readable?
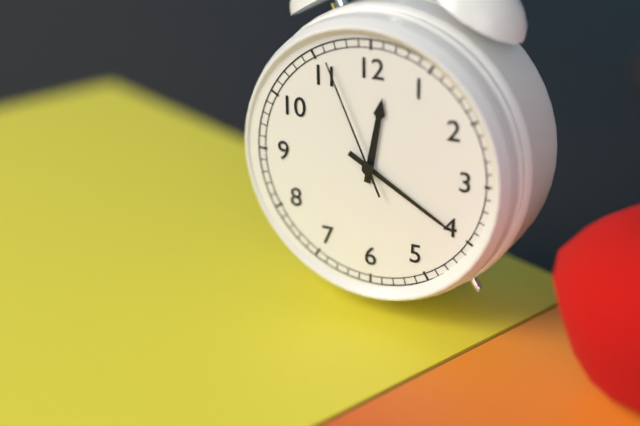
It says h=12 m=20 s=56
